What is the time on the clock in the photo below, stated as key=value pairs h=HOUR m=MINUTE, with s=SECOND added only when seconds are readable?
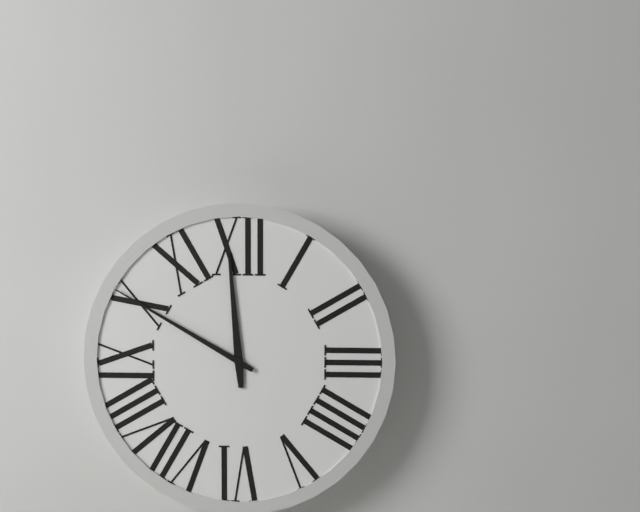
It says h=11 m=50
